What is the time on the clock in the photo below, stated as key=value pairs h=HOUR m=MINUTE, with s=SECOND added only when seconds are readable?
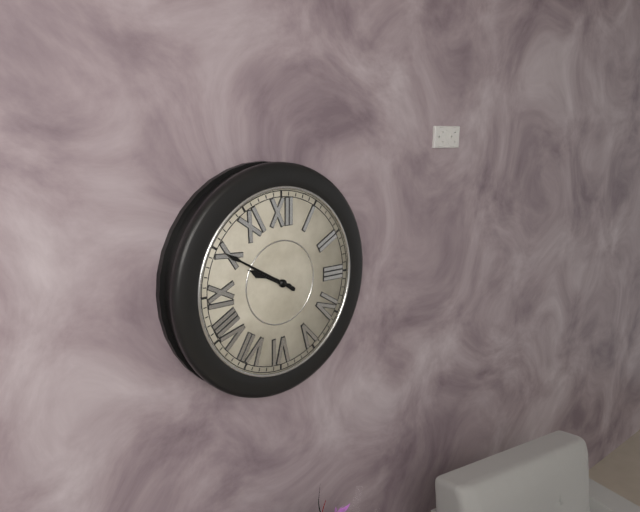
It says h=9 m=50
